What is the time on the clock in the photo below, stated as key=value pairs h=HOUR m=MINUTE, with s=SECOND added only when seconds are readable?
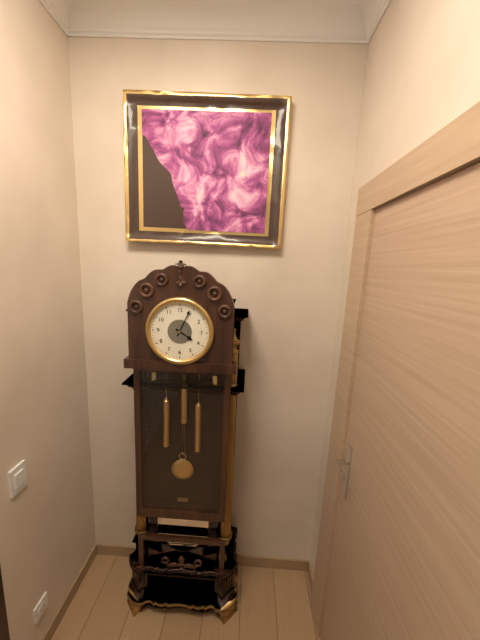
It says h=4 m=4
